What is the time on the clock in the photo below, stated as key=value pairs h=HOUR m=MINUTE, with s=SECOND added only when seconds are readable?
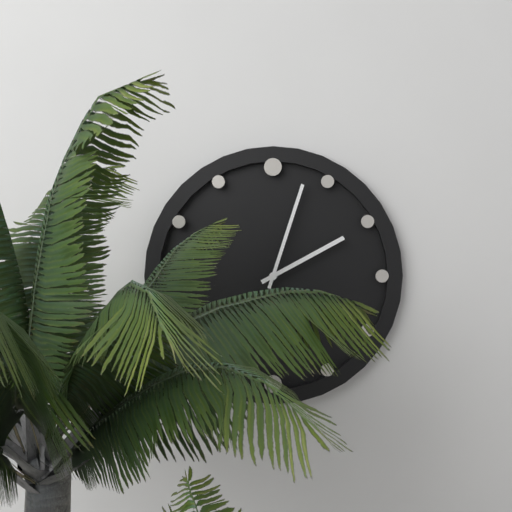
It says h=2 m=3
